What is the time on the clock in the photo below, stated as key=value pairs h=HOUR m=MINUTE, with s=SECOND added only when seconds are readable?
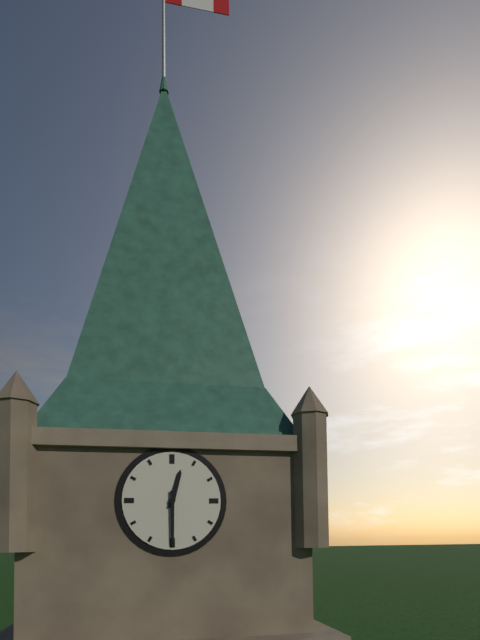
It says h=12 m=30
